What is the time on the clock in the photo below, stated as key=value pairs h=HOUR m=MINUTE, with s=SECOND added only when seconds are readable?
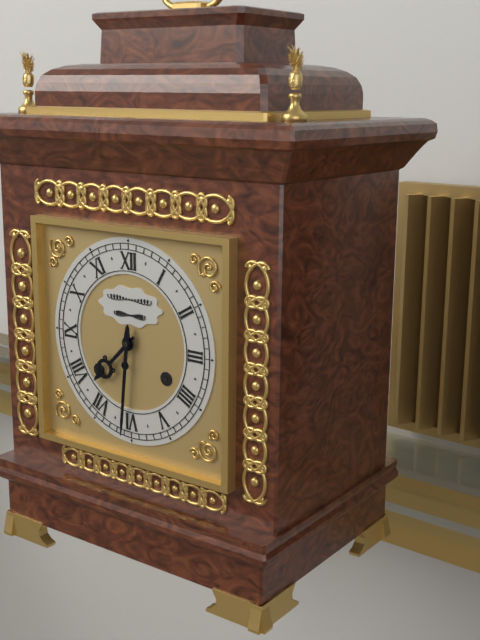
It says h=7 m=31
